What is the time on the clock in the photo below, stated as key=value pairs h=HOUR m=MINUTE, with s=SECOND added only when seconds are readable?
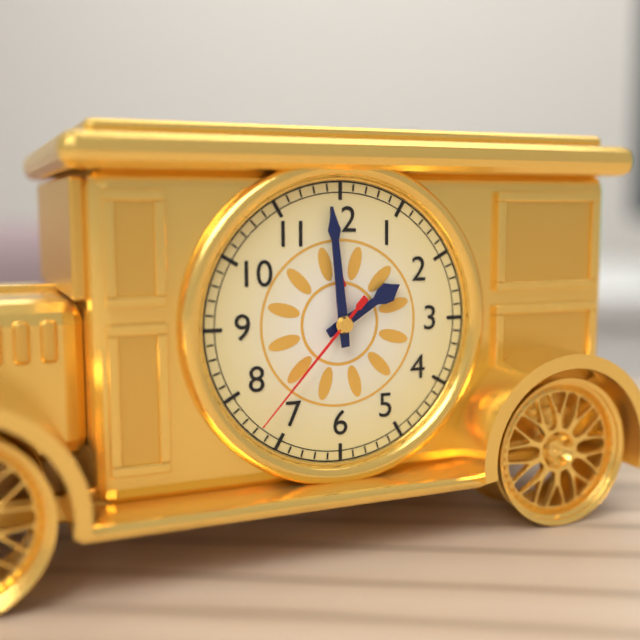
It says h=1 m=59 s=37
